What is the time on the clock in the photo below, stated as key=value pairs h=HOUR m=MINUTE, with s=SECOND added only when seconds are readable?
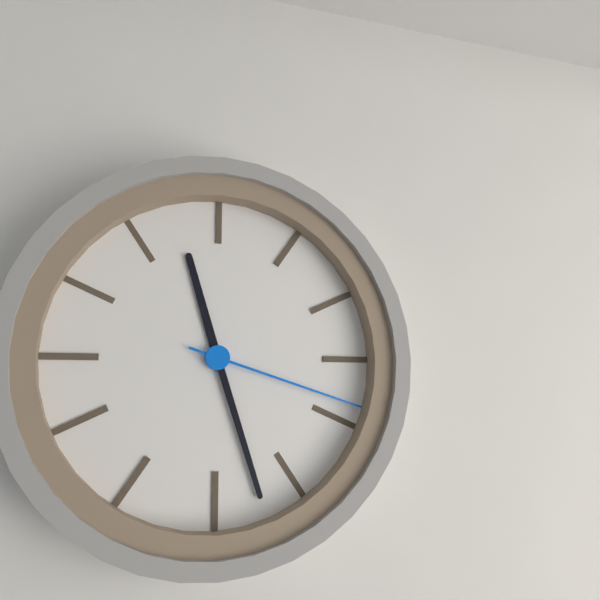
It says h=11 m=27 s=18
